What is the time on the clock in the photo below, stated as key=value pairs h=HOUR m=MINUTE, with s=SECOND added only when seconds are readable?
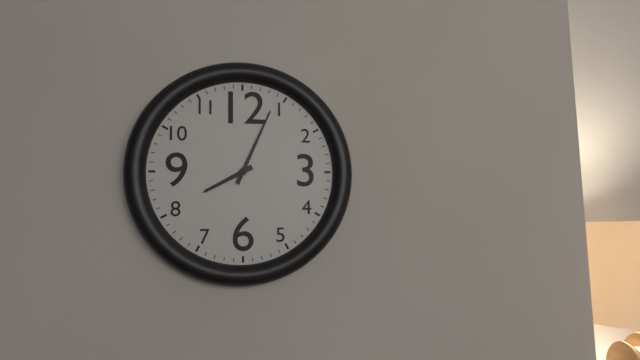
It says h=8 m=4
